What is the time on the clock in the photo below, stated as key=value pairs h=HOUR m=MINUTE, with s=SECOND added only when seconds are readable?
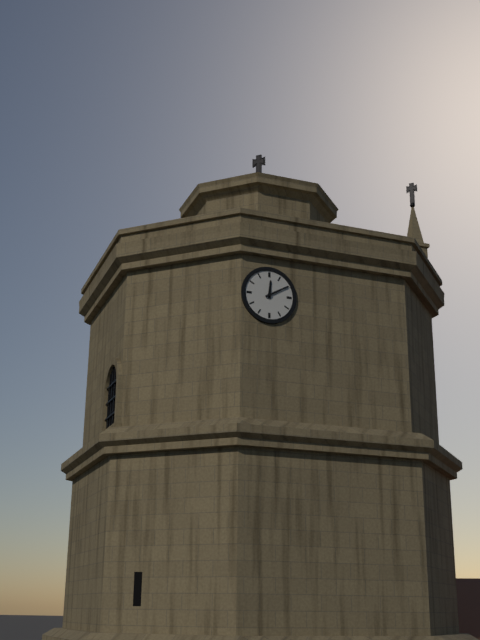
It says h=12 m=10
